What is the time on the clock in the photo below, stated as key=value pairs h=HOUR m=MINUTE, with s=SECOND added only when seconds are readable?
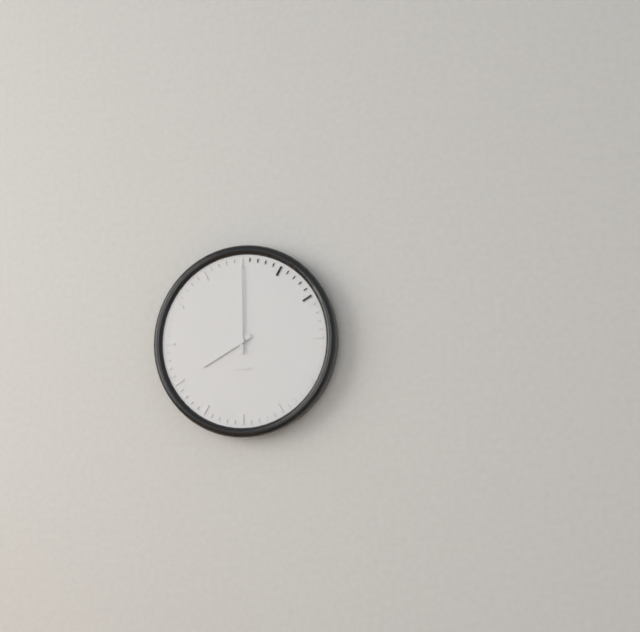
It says h=8 m=0
